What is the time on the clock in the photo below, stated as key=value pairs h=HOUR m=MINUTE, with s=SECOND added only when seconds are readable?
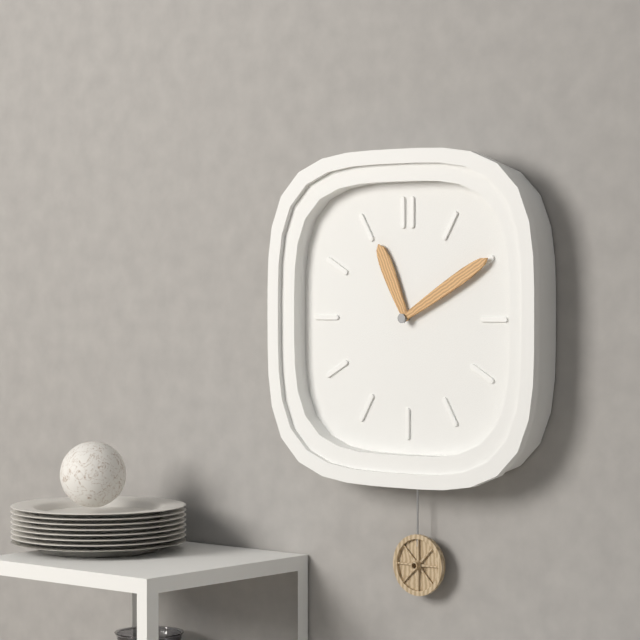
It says h=11 m=10
